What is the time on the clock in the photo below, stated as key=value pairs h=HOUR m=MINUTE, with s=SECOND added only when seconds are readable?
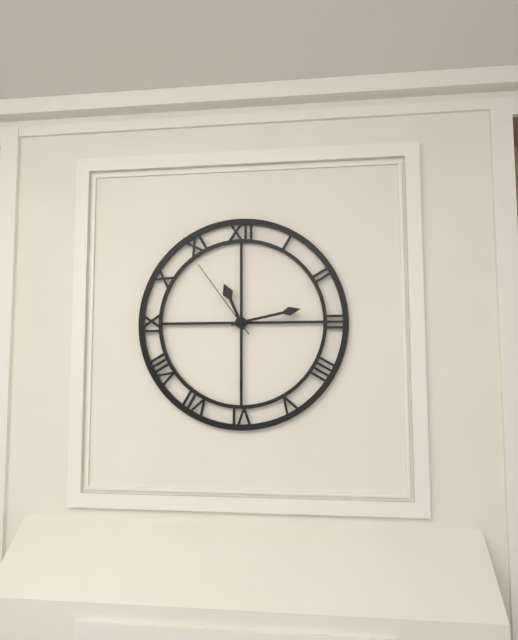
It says h=11 m=13 s=54
